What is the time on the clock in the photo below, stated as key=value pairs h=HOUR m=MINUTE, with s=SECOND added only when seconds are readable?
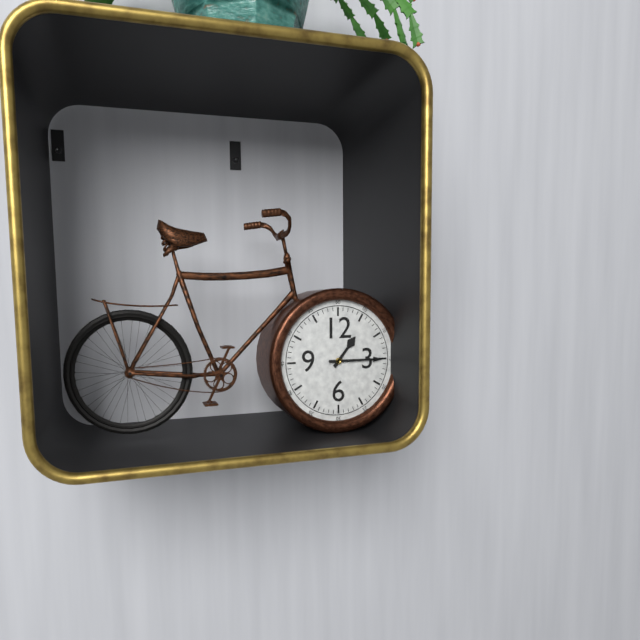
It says h=1 m=15
